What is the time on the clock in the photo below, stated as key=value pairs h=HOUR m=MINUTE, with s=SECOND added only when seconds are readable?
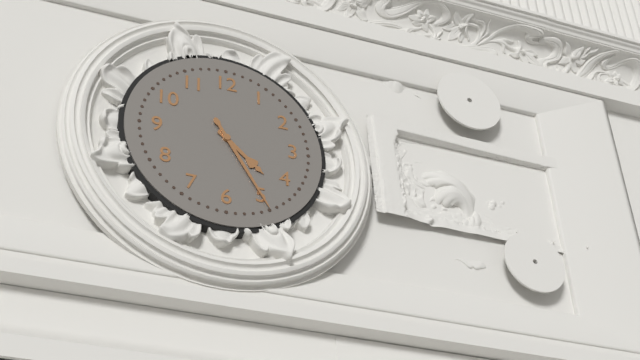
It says h=4 m=25
